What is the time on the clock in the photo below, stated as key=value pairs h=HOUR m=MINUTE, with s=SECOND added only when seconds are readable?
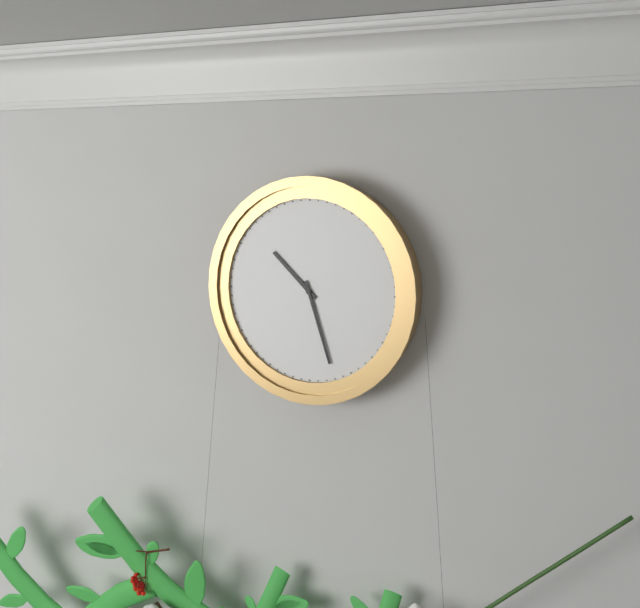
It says h=10 m=27
